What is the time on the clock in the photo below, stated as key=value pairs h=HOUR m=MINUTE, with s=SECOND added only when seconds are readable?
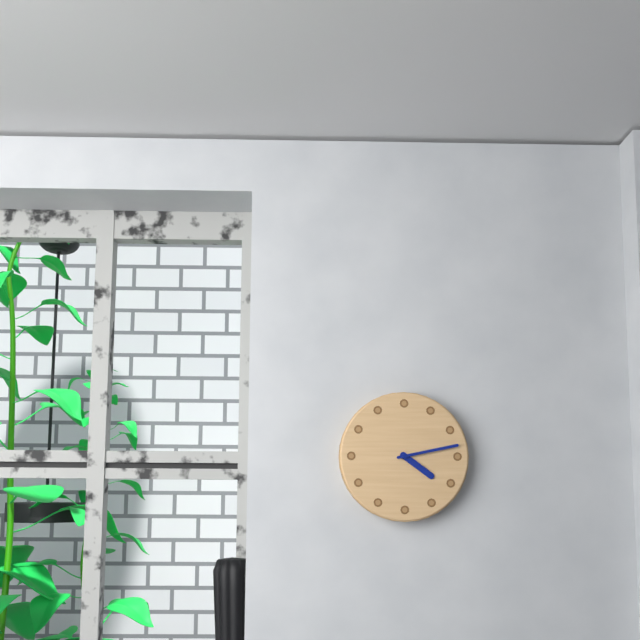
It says h=4 m=13
